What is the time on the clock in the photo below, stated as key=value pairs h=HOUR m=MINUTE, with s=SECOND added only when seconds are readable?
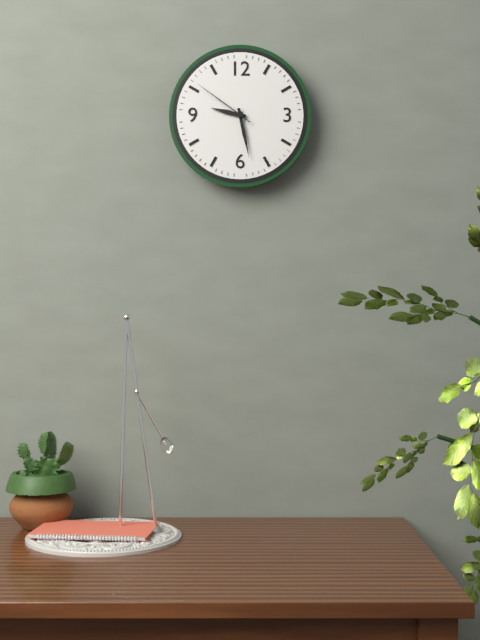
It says h=9 m=28 s=51
